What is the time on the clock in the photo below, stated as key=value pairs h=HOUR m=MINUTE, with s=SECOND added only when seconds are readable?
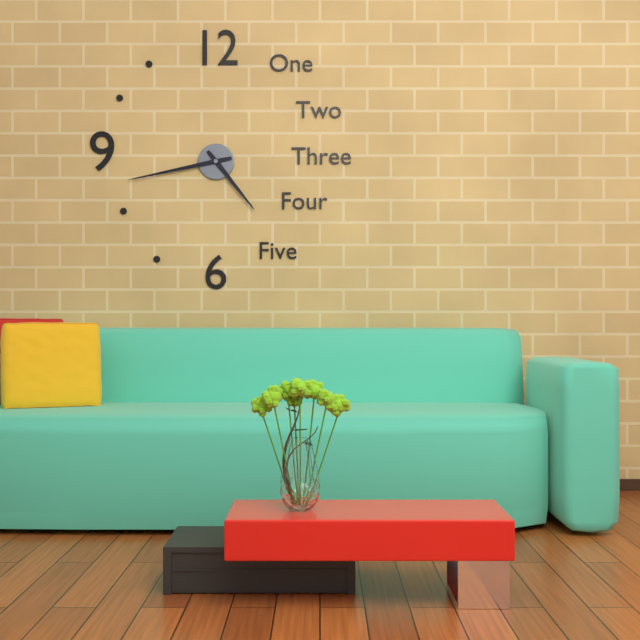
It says h=4 m=43
